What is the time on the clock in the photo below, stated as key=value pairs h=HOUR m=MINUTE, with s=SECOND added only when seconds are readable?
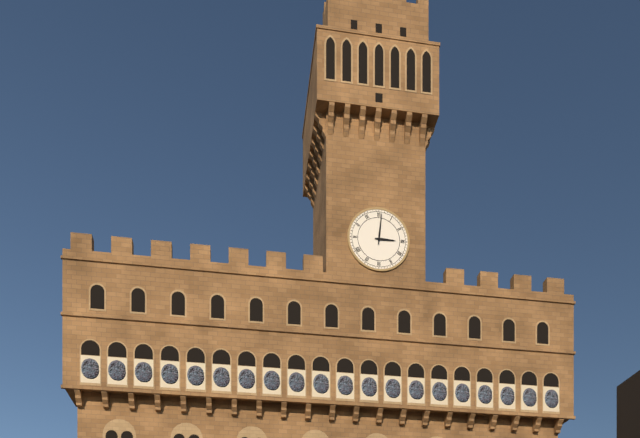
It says h=3 m=1
